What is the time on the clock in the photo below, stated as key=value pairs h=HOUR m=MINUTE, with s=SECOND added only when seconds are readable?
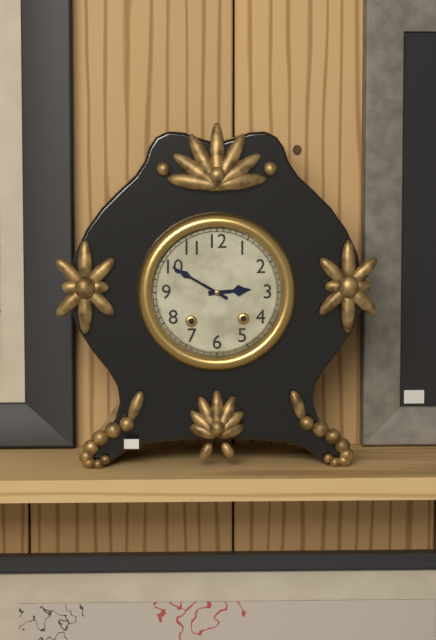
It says h=2 m=50
